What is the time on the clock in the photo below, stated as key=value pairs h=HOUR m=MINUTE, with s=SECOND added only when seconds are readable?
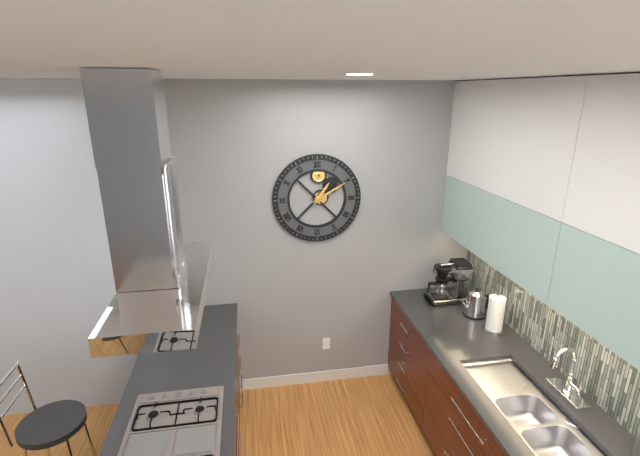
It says h=1 m=10
